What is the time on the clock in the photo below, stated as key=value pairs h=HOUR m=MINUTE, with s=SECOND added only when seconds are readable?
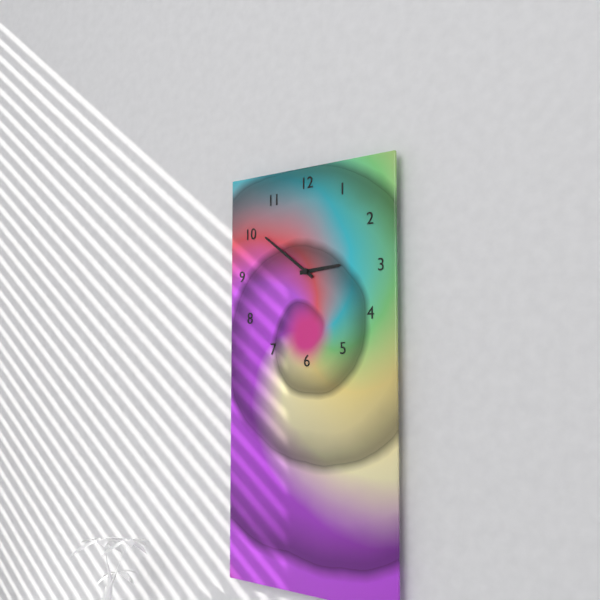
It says h=2 m=51
